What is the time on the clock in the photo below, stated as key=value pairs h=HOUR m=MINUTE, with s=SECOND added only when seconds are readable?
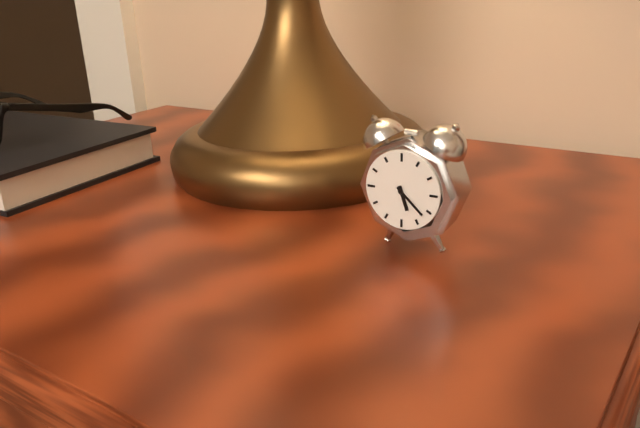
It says h=5 m=22
